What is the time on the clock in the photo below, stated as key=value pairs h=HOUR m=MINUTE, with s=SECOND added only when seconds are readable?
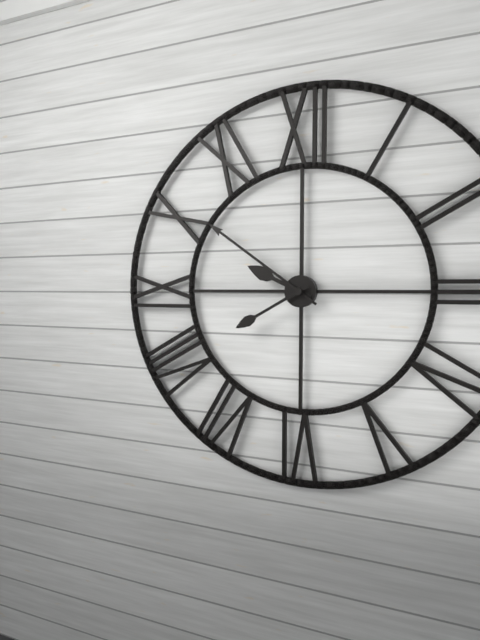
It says h=9 m=51 s=40
